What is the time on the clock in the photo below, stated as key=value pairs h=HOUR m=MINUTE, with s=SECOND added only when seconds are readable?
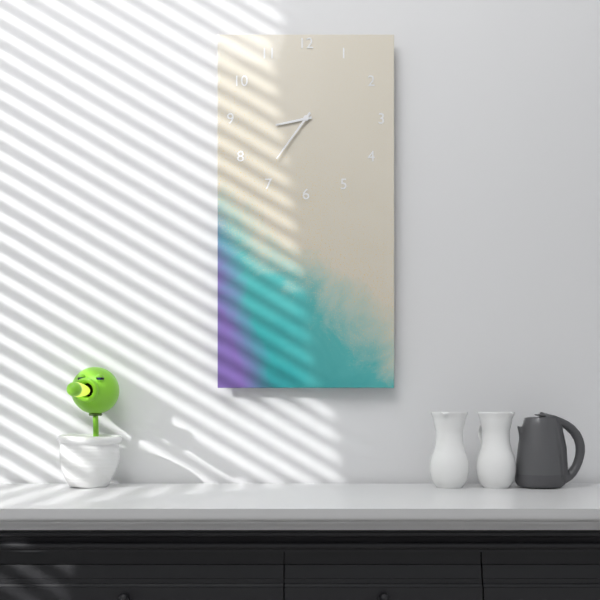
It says h=8 m=36
